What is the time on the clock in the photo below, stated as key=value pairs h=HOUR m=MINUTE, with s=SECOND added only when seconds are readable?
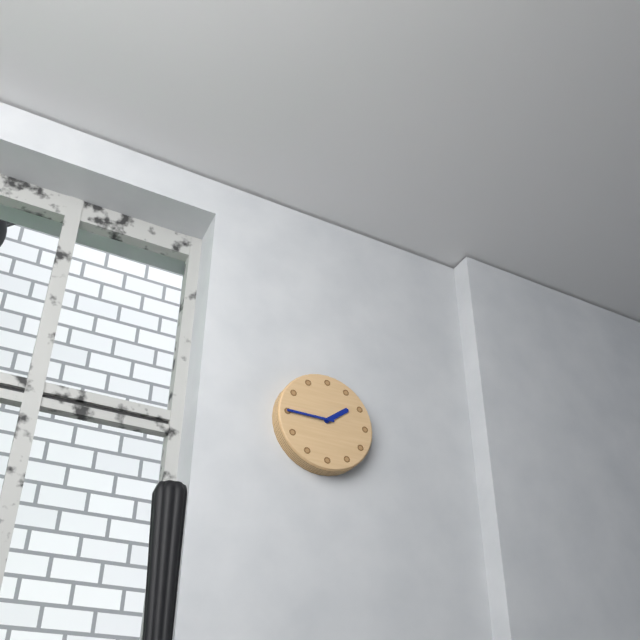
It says h=1 m=45
